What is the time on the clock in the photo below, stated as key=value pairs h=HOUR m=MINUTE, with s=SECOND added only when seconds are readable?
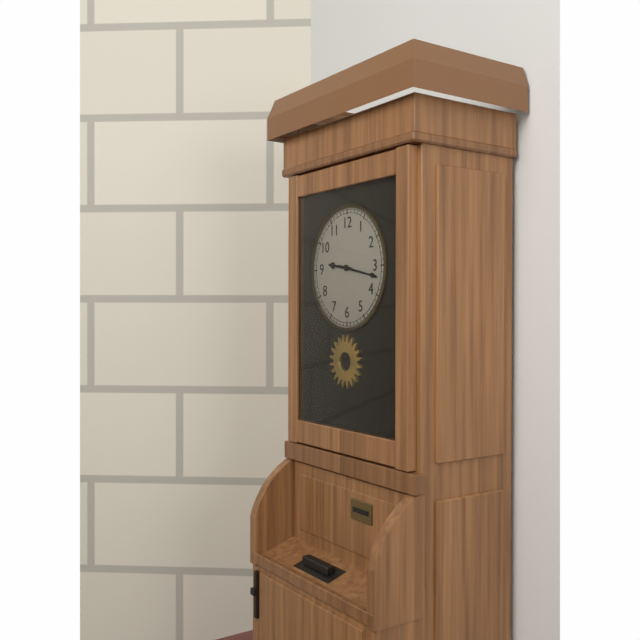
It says h=9 m=17
